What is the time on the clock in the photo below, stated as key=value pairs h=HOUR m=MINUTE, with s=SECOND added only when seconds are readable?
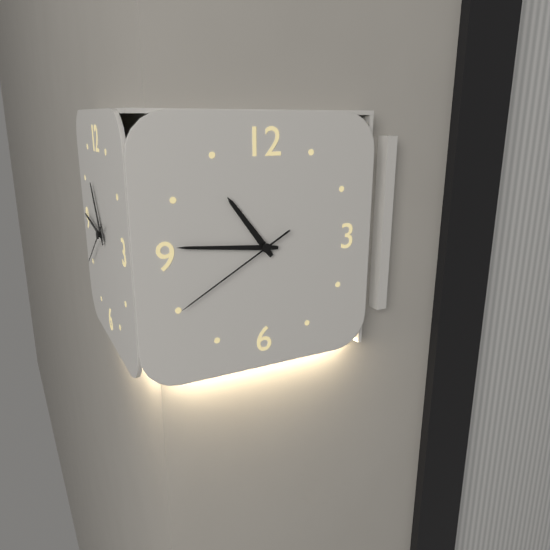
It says h=10 m=46 s=40
